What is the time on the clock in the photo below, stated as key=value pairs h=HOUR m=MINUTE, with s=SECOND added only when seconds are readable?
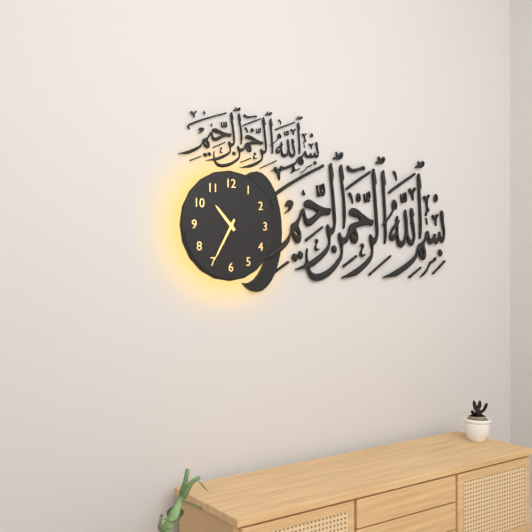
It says h=10 m=35
